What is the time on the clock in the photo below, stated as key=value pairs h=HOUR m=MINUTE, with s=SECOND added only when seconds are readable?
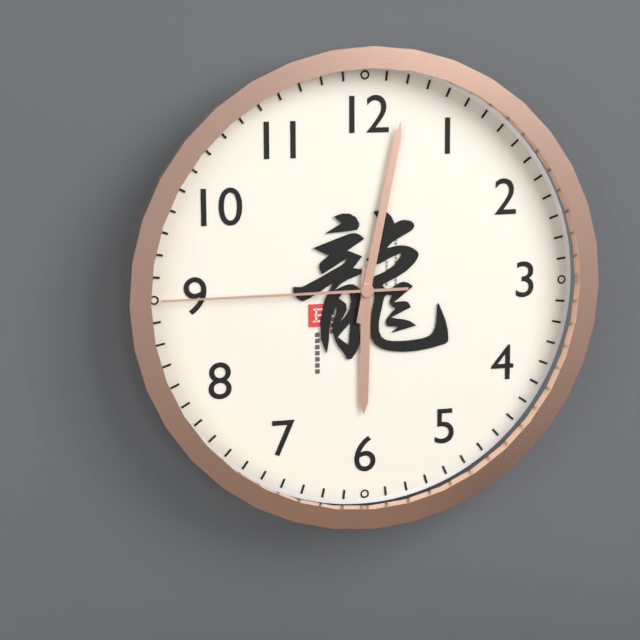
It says h=6 m=2 s=45
